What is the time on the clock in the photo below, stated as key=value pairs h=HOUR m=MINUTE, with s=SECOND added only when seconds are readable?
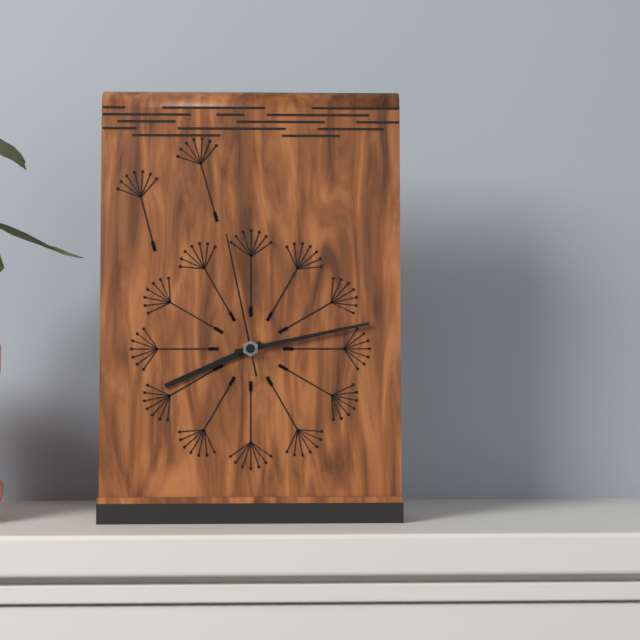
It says h=8 m=13 s=58
